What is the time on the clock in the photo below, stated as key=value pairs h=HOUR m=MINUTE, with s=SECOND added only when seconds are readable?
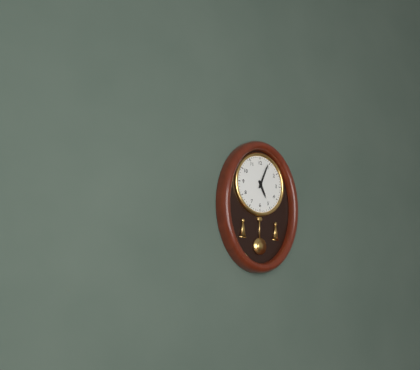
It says h=5 m=4
